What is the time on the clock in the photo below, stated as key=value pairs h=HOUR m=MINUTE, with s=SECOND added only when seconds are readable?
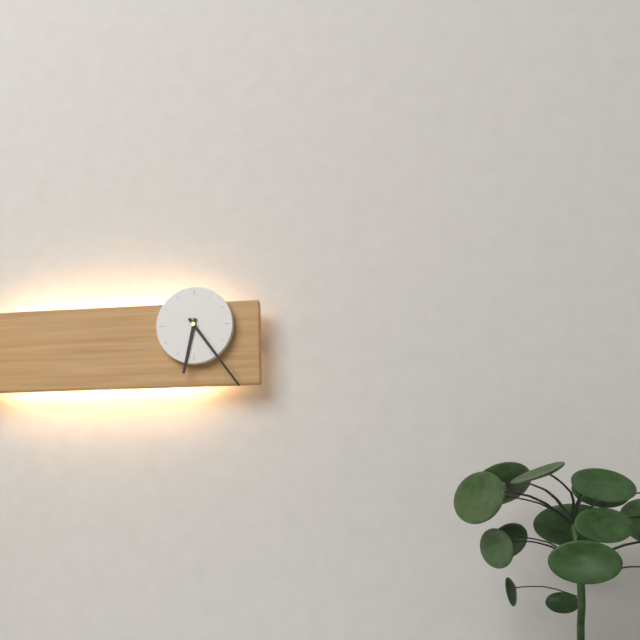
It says h=6 m=24
